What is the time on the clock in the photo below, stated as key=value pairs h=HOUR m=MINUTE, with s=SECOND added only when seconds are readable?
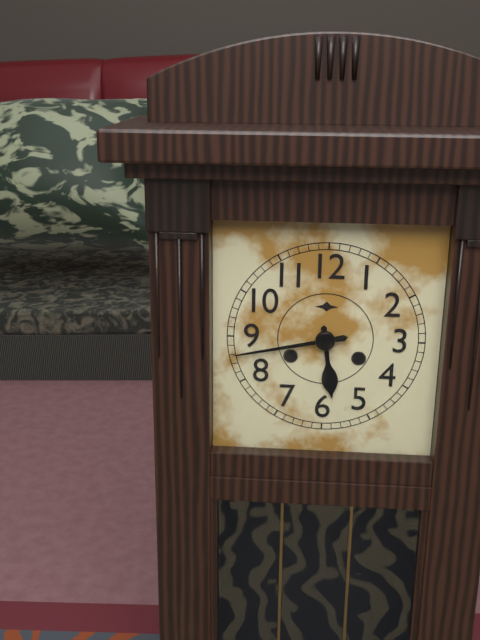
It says h=5 m=43
